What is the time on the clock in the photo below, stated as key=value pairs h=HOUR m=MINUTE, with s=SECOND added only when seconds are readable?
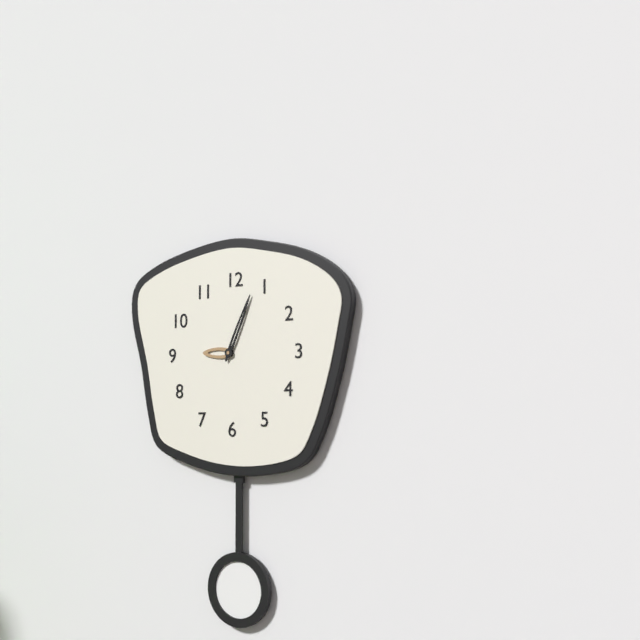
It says h=9 m=4
